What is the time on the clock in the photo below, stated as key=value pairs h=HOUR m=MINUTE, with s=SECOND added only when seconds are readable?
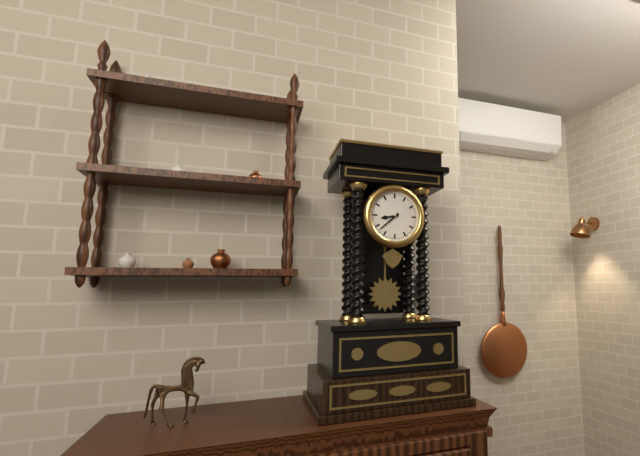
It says h=8 m=38
